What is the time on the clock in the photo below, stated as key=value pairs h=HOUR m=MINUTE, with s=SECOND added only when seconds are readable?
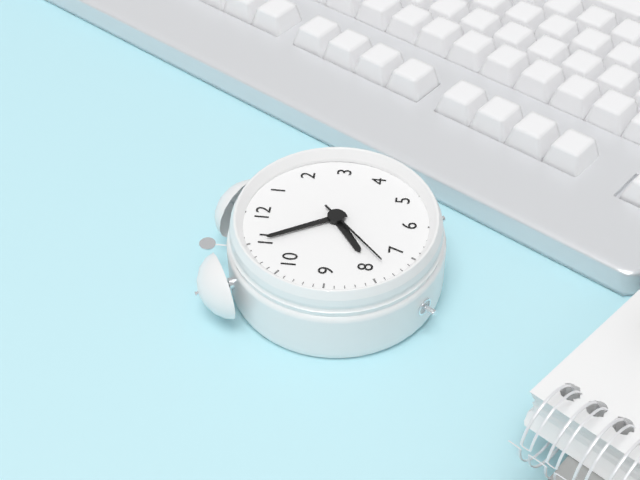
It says h=7 m=55 s=38
